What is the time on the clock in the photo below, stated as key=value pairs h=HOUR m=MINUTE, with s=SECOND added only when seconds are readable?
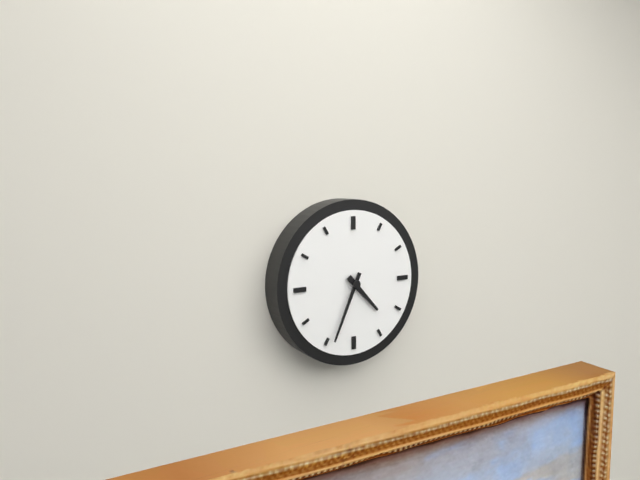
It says h=4 m=34
